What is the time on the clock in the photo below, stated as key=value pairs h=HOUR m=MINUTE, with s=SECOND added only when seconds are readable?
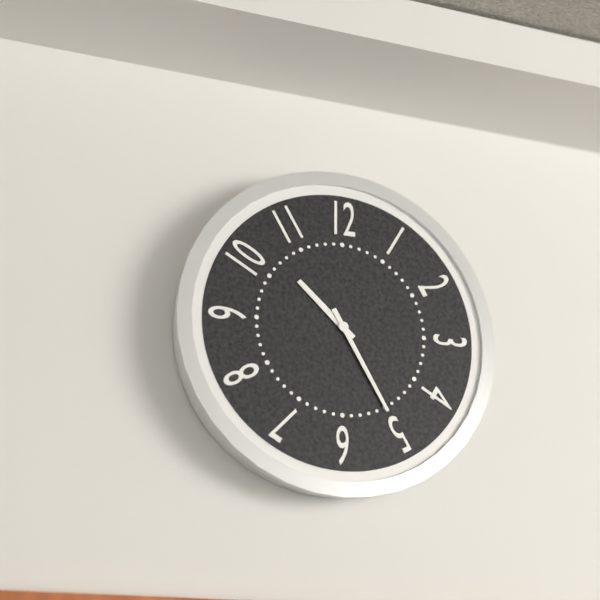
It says h=10 m=25
